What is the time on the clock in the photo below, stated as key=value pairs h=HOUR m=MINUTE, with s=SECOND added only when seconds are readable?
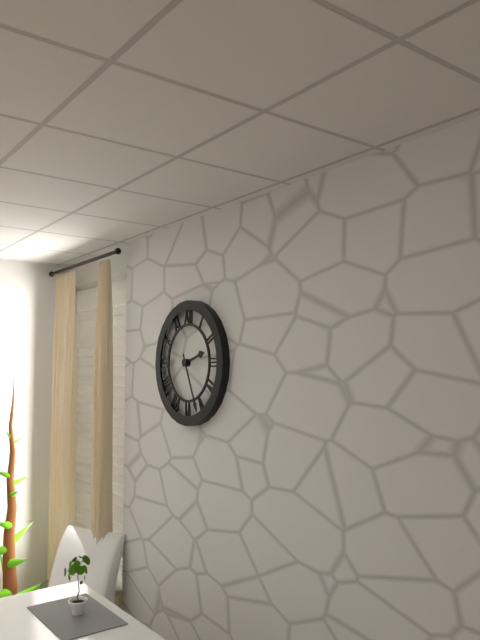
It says h=2 m=26
